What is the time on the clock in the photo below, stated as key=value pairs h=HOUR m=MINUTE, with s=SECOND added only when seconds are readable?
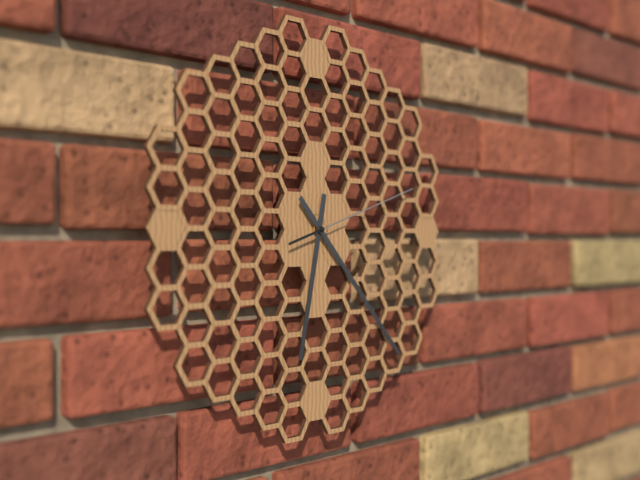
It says h=6 m=23 s=12
